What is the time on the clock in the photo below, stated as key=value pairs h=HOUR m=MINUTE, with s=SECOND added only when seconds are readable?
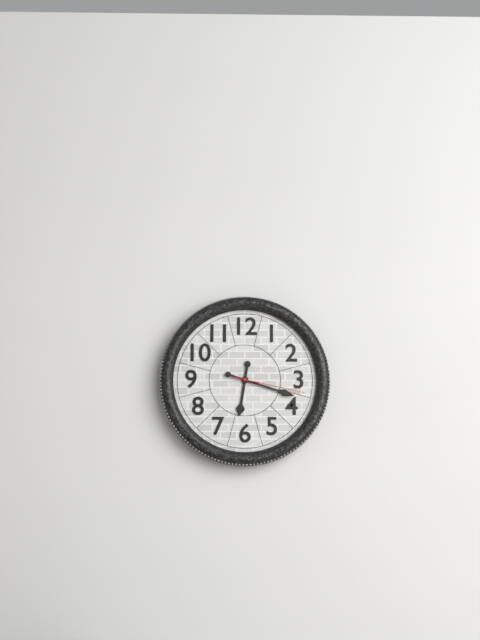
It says h=6 m=18 s=17
